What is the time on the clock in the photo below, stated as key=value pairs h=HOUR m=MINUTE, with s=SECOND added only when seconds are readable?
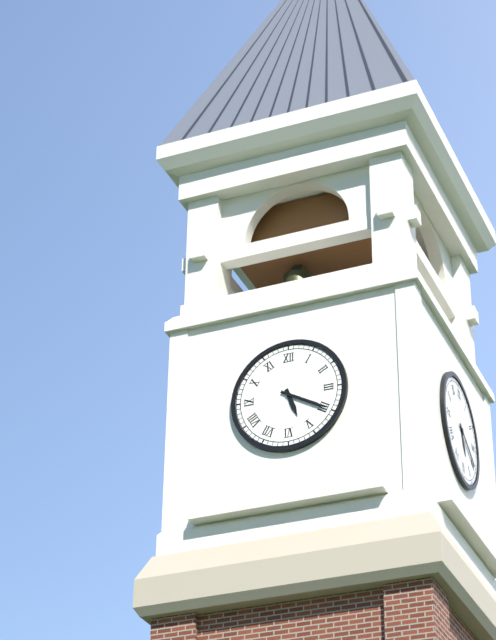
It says h=5 m=20
